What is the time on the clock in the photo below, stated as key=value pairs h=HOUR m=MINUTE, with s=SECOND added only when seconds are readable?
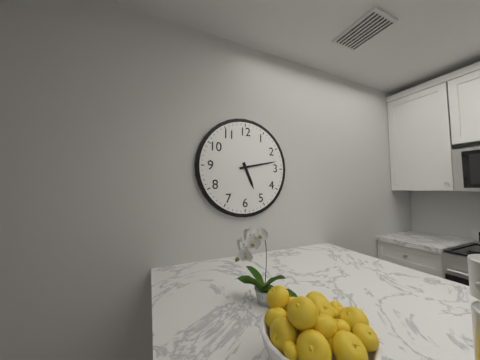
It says h=5 m=13
